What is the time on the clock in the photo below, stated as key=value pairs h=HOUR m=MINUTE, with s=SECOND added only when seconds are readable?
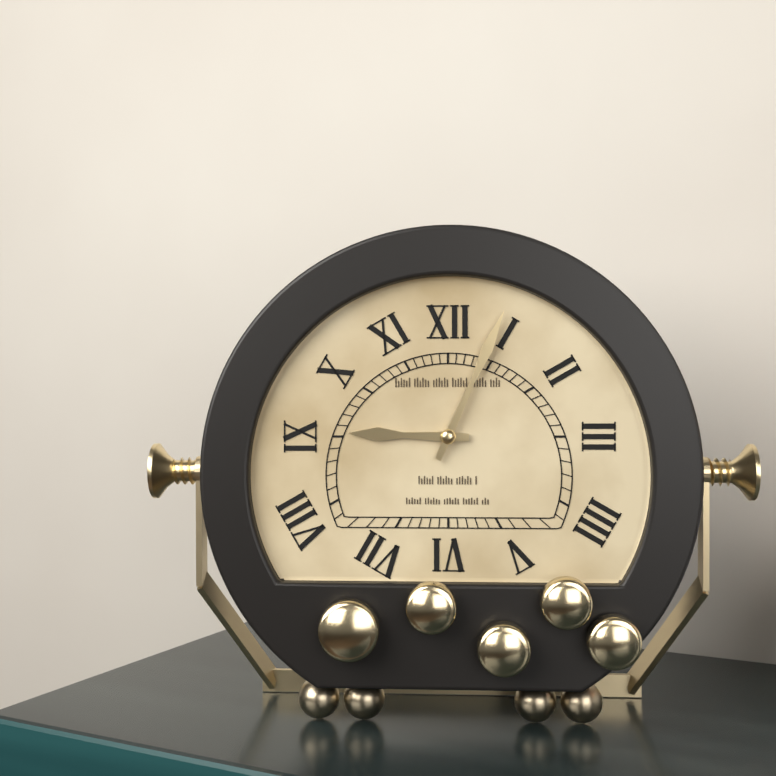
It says h=9 m=4
